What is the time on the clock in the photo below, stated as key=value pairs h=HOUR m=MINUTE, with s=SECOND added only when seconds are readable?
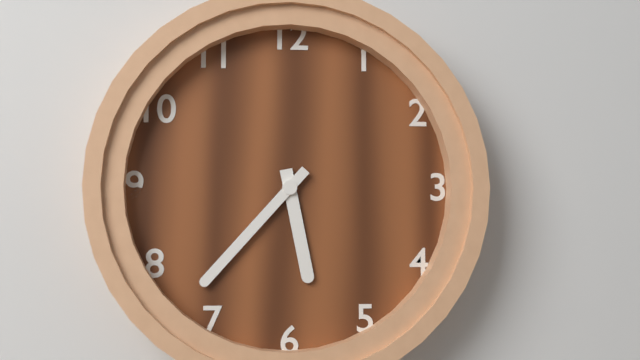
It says h=5 m=37
